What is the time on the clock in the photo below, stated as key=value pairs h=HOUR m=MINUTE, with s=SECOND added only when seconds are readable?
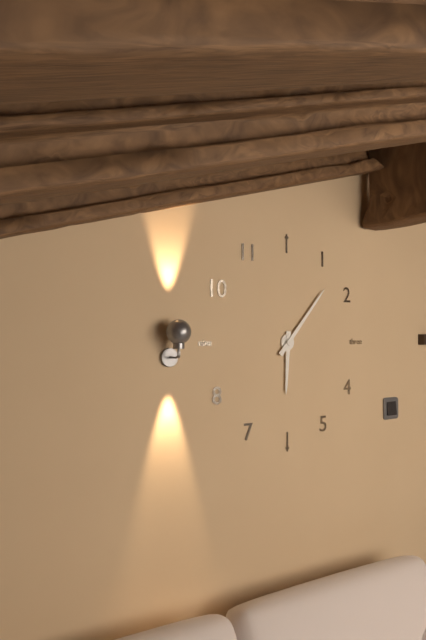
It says h=6 m=7
